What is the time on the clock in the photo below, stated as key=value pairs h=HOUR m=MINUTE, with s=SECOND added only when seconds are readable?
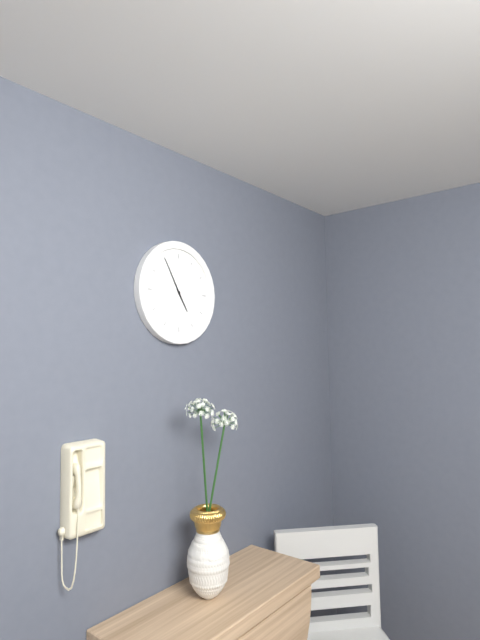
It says h=4 m=55
